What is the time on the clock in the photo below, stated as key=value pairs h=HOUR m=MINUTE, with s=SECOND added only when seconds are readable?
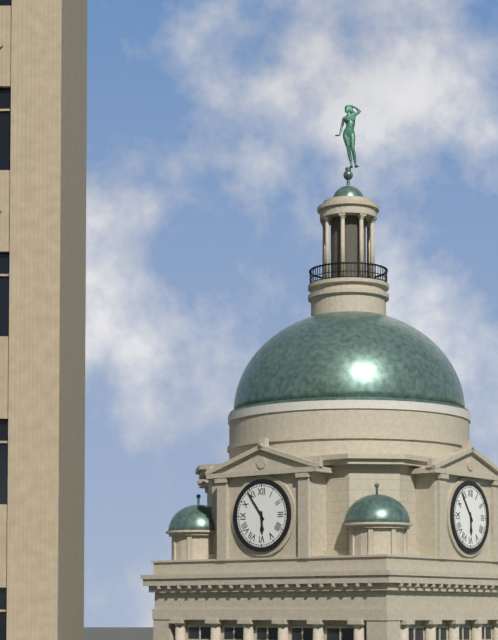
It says h=5 m=54
